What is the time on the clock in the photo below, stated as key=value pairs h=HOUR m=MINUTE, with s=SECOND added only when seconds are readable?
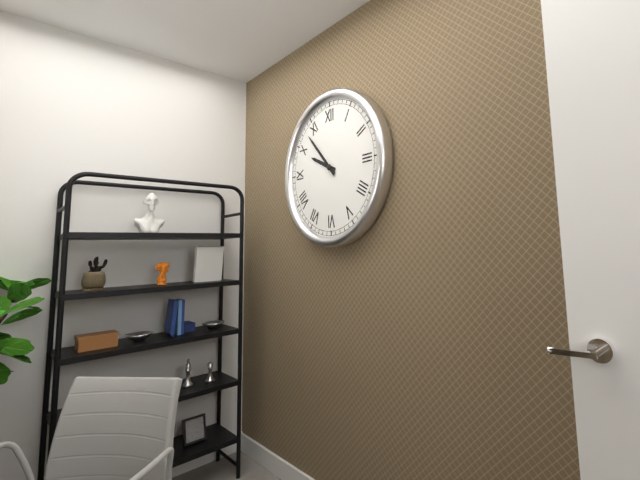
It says h=9 m=53
